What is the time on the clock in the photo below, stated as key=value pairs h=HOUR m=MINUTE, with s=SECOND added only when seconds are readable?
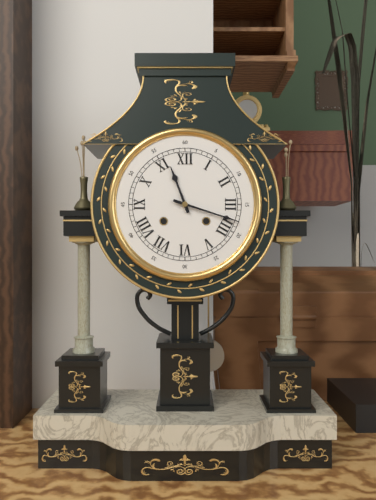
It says h=11 m=18
